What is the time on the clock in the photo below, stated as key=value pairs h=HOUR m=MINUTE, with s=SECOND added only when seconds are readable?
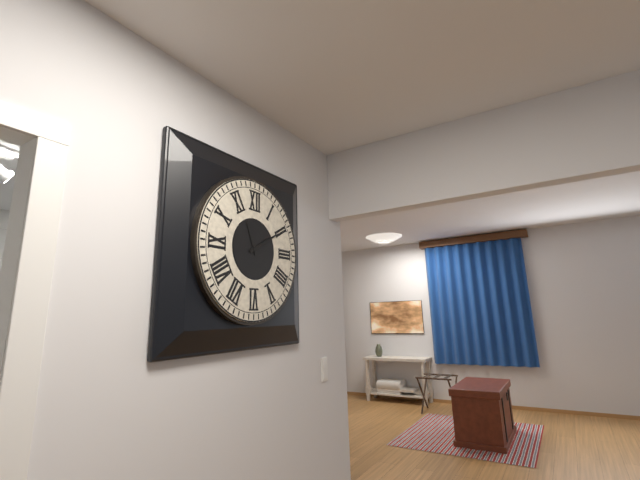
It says h=11 m=10
